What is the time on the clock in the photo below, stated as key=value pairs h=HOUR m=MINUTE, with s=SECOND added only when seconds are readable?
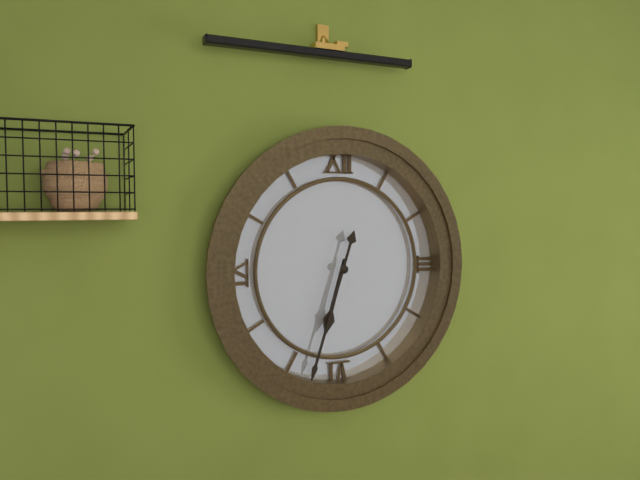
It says h=6 m=33
